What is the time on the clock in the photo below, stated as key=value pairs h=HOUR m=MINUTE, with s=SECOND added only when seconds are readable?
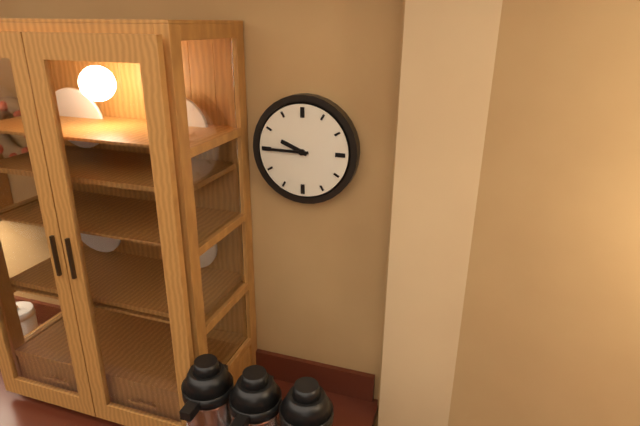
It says h=9 m=45
